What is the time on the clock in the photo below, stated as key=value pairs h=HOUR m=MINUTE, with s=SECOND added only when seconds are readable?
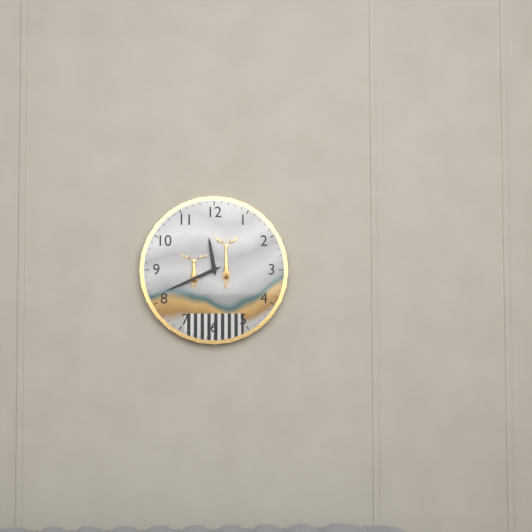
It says h=11 m=41
